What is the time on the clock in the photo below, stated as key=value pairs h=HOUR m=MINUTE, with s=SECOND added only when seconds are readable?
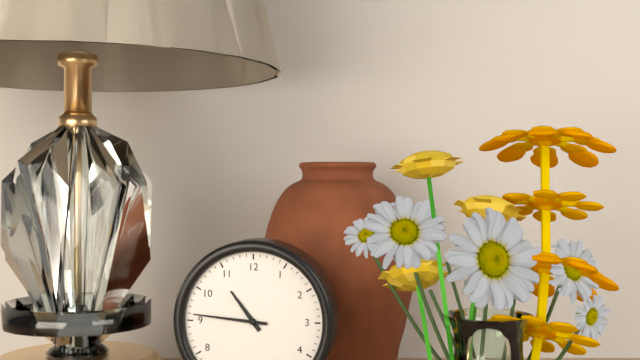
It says h=10 m=46
